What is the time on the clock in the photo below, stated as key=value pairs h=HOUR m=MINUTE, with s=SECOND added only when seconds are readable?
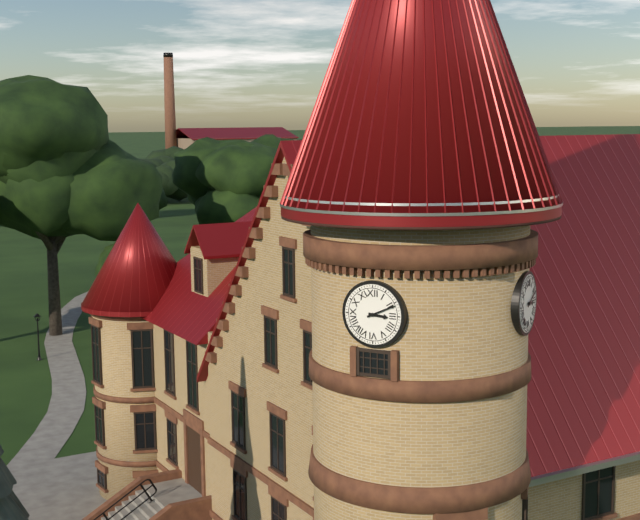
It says h=3 m=11
